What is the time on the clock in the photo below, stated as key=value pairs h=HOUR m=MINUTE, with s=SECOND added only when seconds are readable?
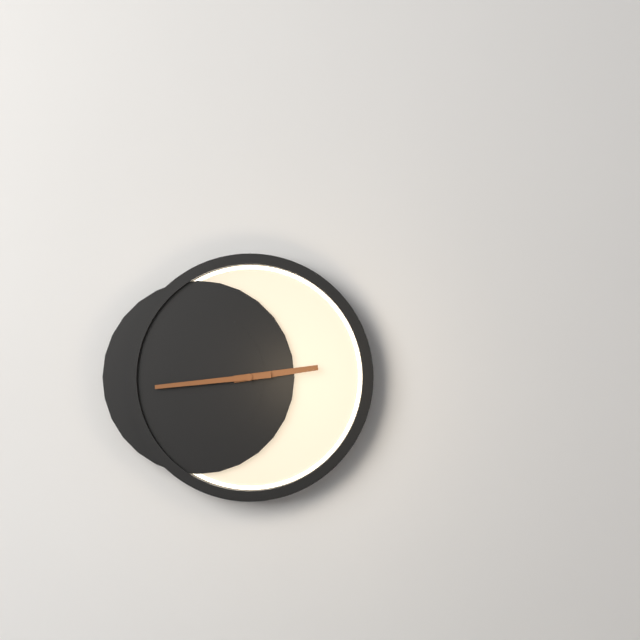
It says h=2 m=44
